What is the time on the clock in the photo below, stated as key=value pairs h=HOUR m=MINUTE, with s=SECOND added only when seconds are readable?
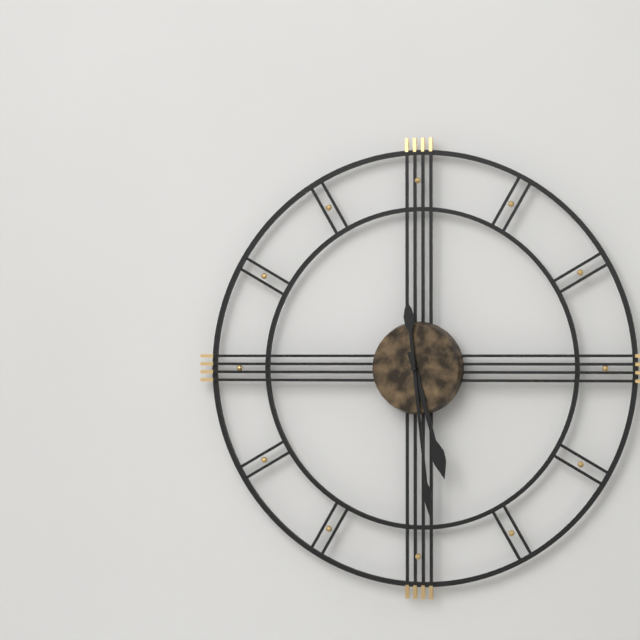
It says h=5 m=29
